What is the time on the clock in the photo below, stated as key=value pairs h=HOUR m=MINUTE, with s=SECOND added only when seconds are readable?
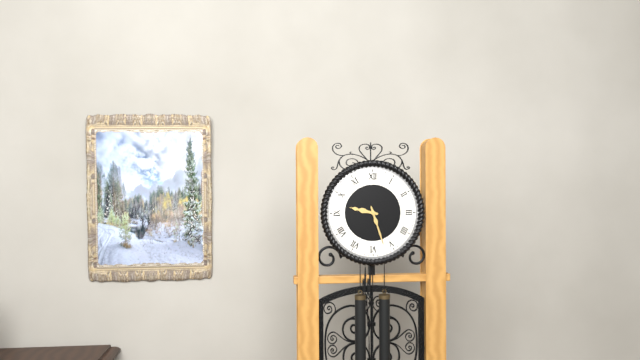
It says h=9 m=27
